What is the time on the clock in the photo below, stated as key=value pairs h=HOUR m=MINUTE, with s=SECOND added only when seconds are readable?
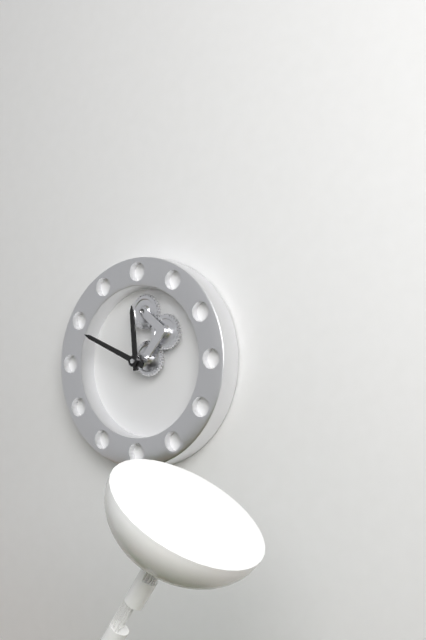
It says h=11 m=49
